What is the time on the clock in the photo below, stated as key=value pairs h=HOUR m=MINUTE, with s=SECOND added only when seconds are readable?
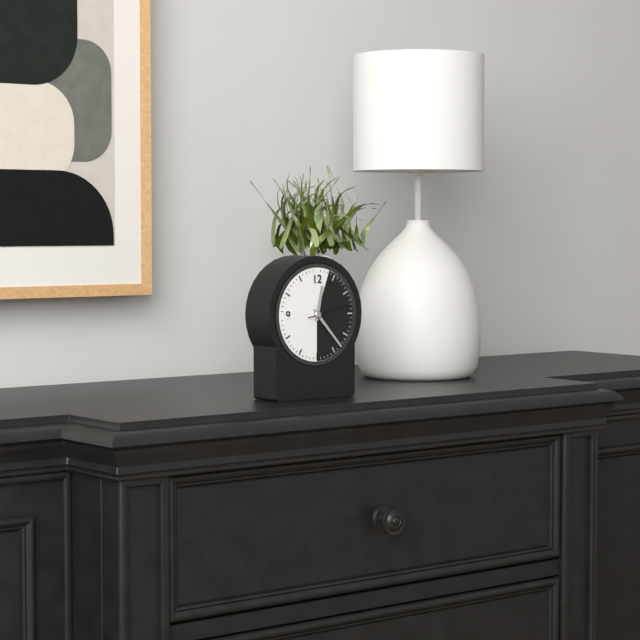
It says h=12 m=23
